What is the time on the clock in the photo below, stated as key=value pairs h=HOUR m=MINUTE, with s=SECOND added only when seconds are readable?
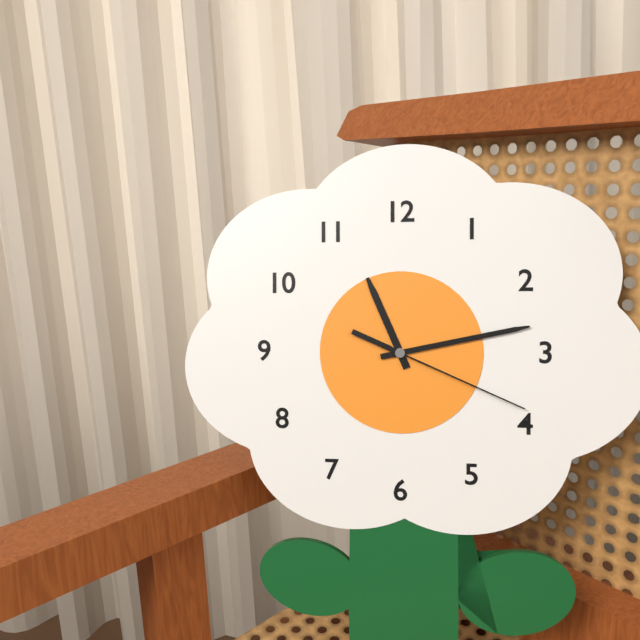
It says h=11 m=13 s=19
